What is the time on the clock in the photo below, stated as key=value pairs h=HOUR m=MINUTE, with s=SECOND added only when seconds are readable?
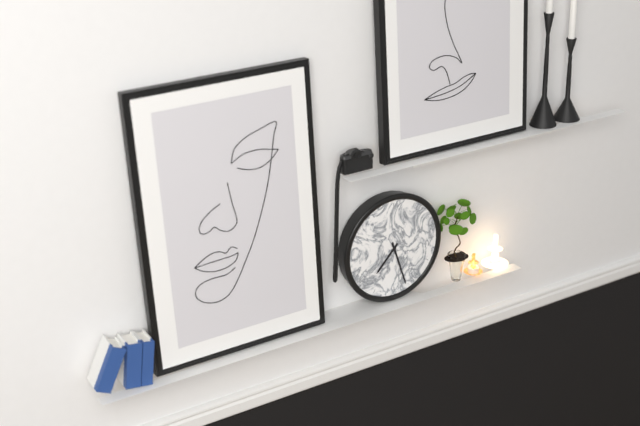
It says h=7 m=27
